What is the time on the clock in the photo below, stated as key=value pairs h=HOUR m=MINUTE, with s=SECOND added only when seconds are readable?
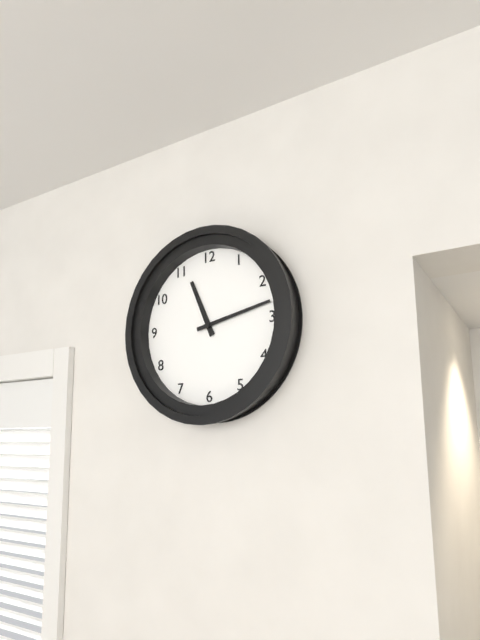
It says h=11 m=13
